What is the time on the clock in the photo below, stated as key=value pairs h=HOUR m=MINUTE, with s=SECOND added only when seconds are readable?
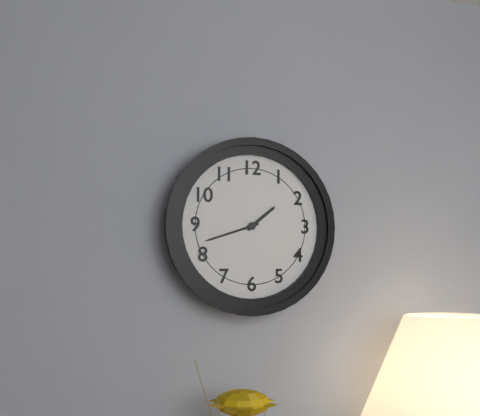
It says h=1 m=42
